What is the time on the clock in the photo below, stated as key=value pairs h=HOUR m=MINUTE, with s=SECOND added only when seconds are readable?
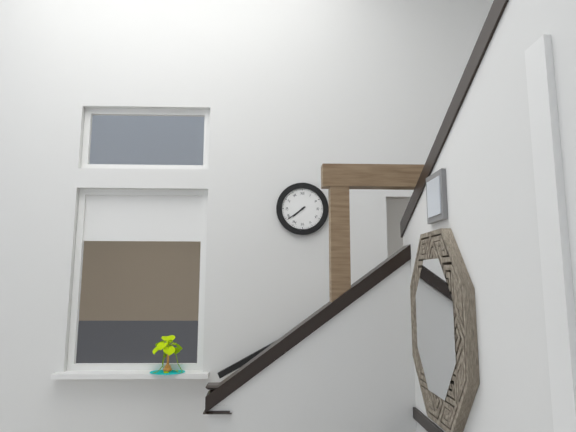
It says h=7 m=39
